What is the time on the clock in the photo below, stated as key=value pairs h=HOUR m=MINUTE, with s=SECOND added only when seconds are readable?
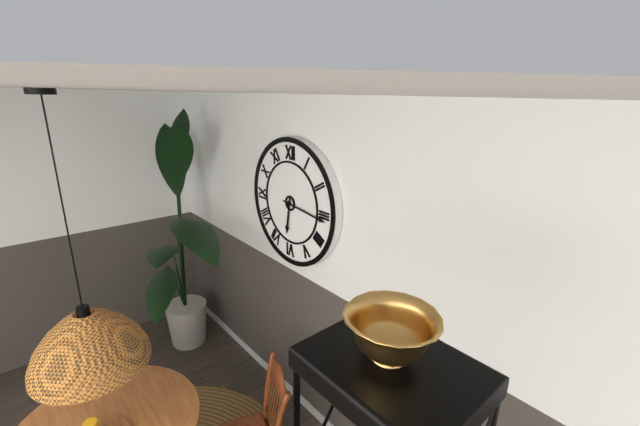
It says h=6 m=16
